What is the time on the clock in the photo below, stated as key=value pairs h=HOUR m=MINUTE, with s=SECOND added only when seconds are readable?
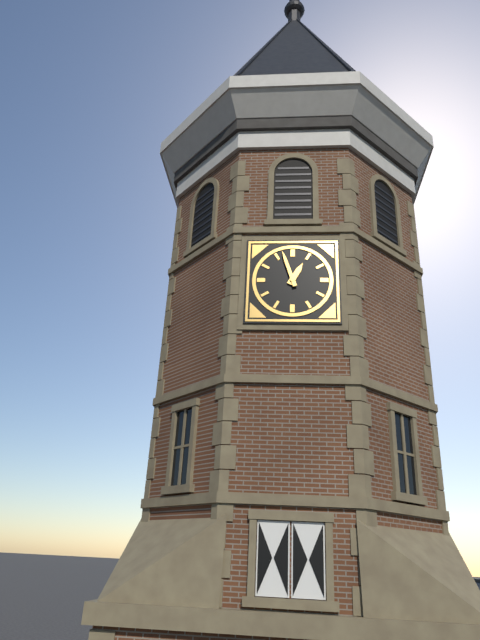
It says h=12 m=57
